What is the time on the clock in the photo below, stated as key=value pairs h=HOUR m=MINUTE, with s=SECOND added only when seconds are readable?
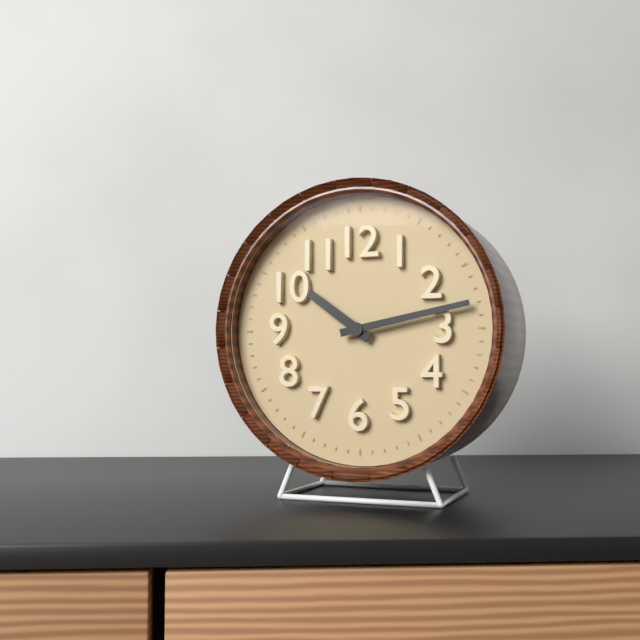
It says h=10 m=13
